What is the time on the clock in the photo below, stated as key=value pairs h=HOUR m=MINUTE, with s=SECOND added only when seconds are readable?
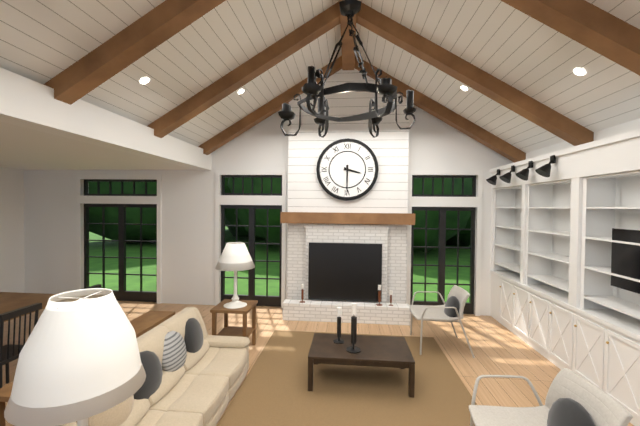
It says h=3 m=30
